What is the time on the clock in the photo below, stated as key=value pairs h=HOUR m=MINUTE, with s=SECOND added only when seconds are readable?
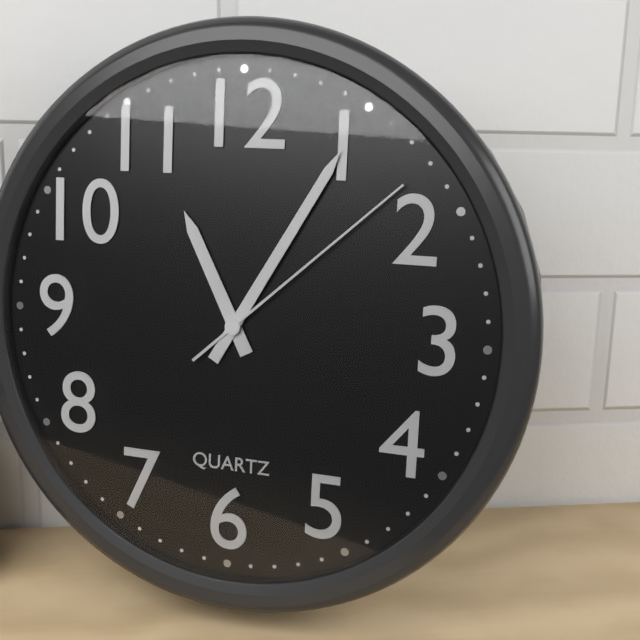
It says h=11 m=5 s=8
